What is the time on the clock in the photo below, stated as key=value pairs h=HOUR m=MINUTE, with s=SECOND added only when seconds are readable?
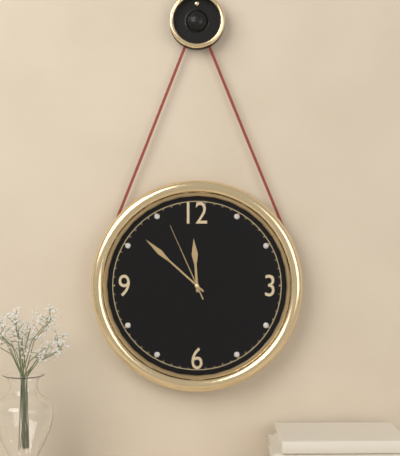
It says h=11 m=52 s=56
